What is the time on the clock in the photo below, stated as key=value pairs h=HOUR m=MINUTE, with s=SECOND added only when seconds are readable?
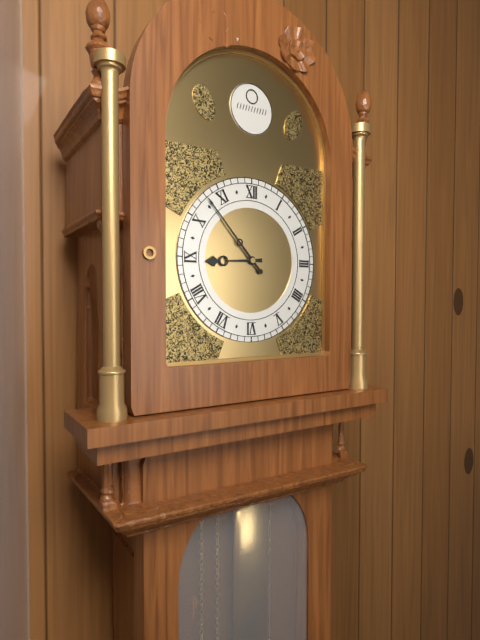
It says h=8 m=53
